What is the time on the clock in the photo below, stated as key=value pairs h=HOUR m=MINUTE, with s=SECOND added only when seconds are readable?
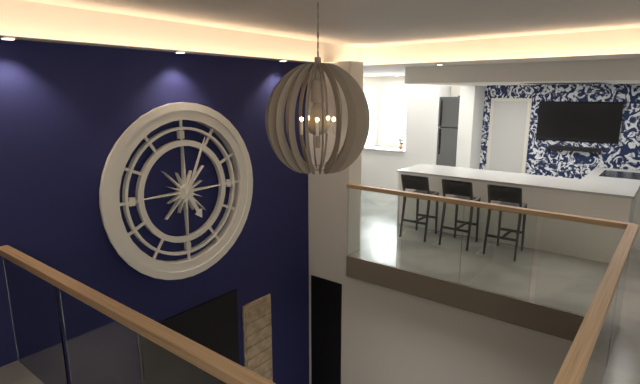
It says h=5 m=4
